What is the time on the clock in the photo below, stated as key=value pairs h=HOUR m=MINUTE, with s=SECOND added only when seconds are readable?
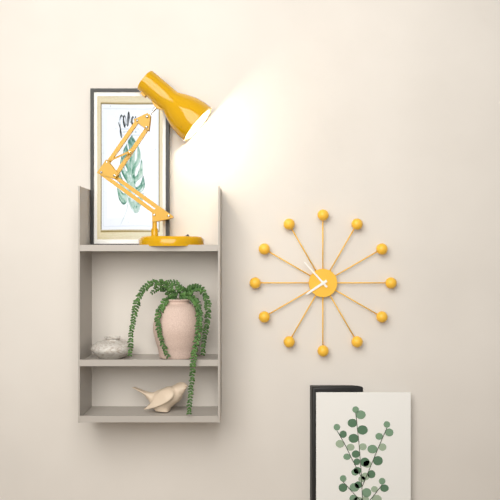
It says h=7 m=53
